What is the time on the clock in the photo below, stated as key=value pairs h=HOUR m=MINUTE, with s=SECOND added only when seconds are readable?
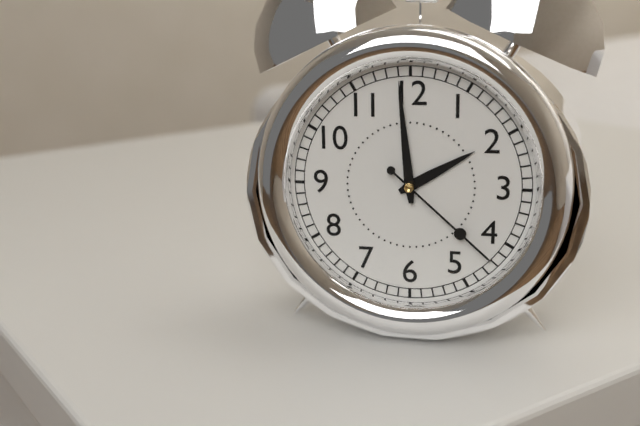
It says h=1 m=59 s=22
